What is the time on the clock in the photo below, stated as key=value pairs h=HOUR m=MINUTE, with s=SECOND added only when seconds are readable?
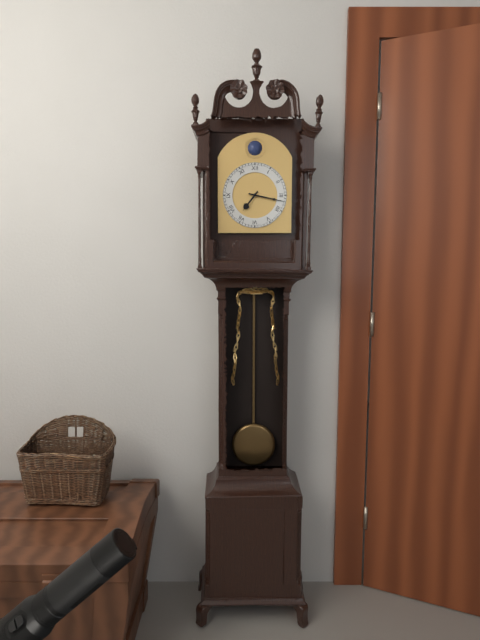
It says h=7 m=17
